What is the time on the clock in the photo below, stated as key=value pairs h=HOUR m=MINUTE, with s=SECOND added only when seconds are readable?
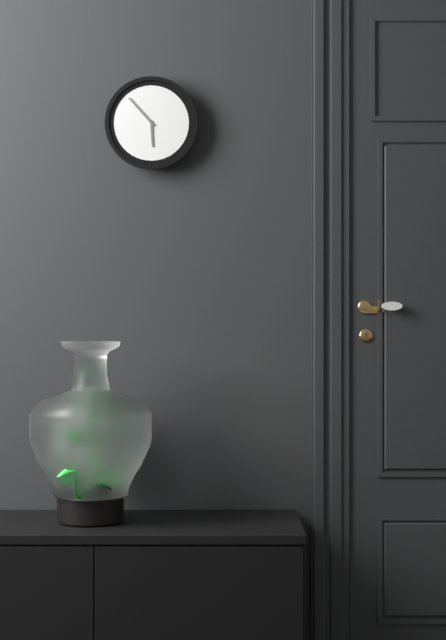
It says h=5 m=53
